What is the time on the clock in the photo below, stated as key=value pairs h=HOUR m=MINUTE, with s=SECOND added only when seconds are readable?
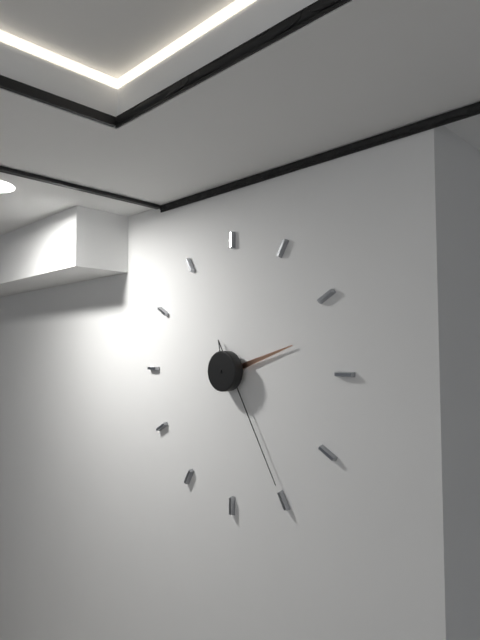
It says h=2 m=25
